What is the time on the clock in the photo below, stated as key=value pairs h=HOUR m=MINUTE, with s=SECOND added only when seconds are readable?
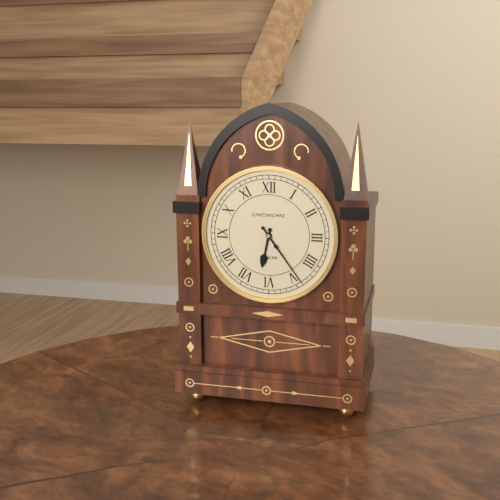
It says h=6 m=24
